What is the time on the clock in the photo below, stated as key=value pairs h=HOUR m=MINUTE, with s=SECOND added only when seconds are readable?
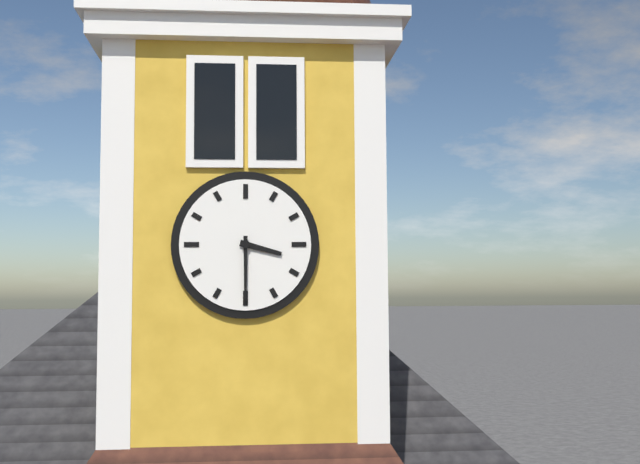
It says h=3 m=30
